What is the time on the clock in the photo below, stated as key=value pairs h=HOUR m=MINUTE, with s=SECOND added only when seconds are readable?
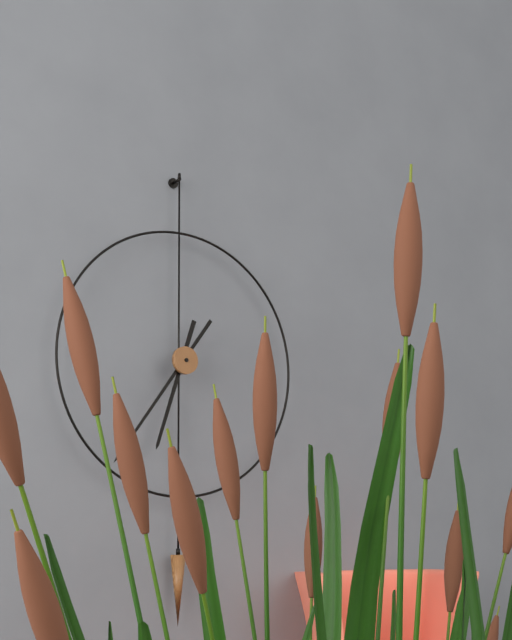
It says h=6 m=36
